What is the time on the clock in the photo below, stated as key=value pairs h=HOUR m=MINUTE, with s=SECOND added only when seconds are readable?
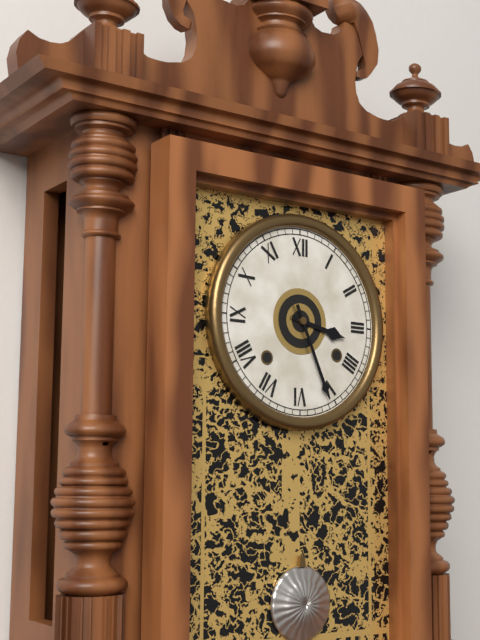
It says h=3 m=26
